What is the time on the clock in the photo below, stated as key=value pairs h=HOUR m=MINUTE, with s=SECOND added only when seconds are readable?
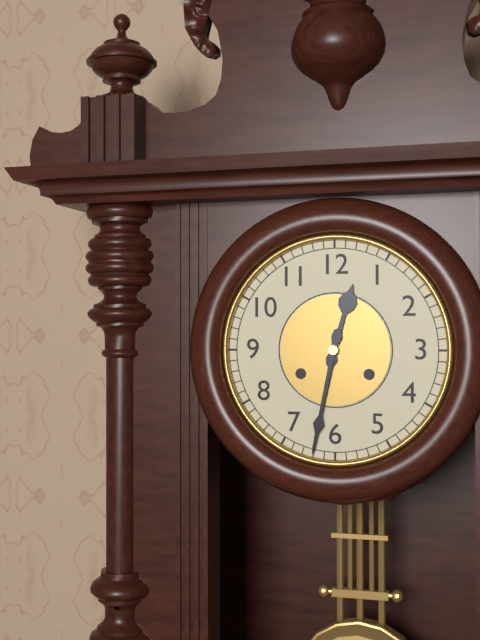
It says h=12 m=32
